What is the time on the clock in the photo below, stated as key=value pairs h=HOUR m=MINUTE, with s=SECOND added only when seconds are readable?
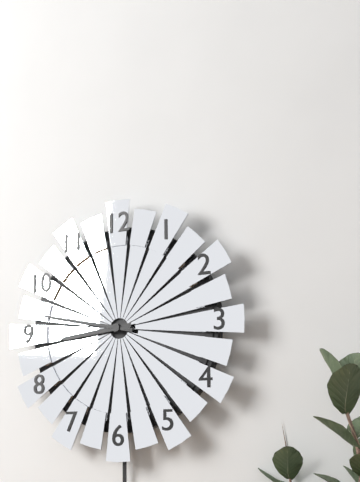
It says h=8 m=47
